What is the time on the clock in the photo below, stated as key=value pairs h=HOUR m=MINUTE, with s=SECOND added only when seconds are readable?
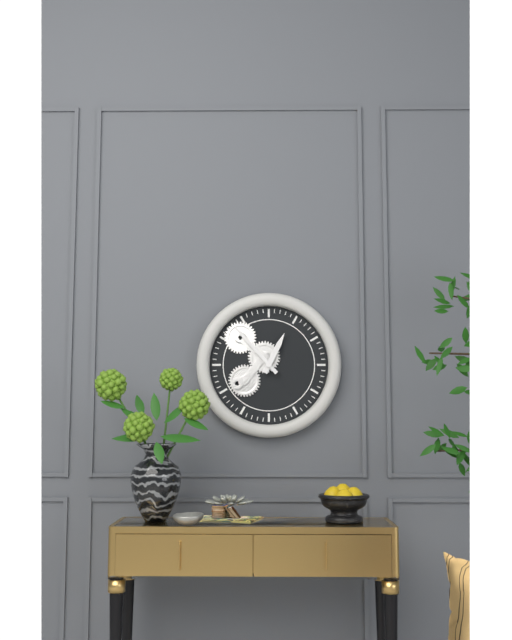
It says h=12 m=53
